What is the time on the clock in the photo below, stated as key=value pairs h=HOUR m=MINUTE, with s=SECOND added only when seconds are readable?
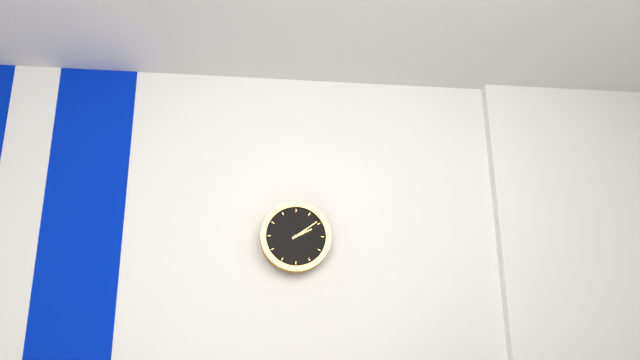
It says h=2 m=9
